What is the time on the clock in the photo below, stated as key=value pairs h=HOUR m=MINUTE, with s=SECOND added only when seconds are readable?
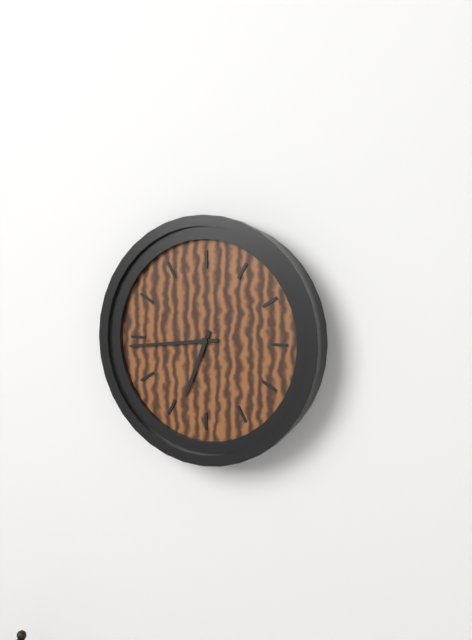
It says h=6 m=44
